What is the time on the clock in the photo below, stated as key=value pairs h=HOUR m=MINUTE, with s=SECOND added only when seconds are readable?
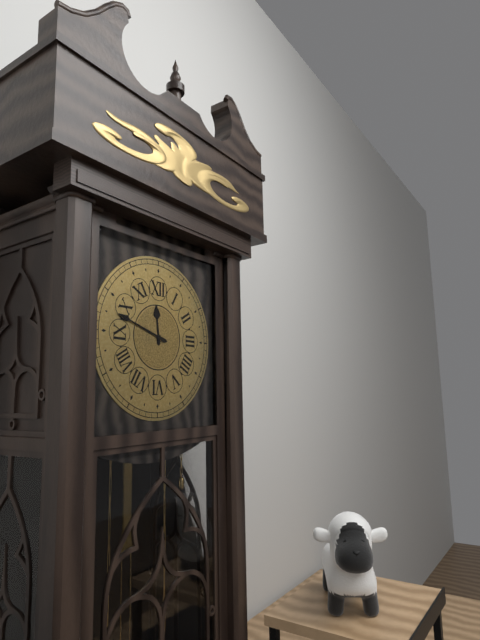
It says h=11 m=48
